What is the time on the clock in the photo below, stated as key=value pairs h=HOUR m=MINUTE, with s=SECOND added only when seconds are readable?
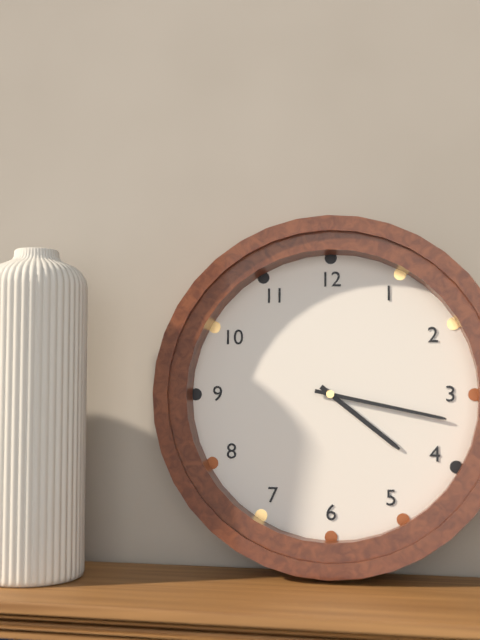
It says h=4 m=17
